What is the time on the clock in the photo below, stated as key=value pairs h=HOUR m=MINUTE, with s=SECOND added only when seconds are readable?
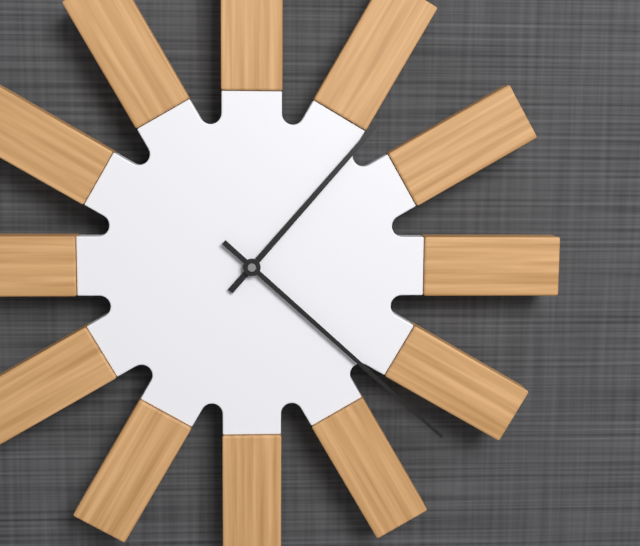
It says h=1 m=22
